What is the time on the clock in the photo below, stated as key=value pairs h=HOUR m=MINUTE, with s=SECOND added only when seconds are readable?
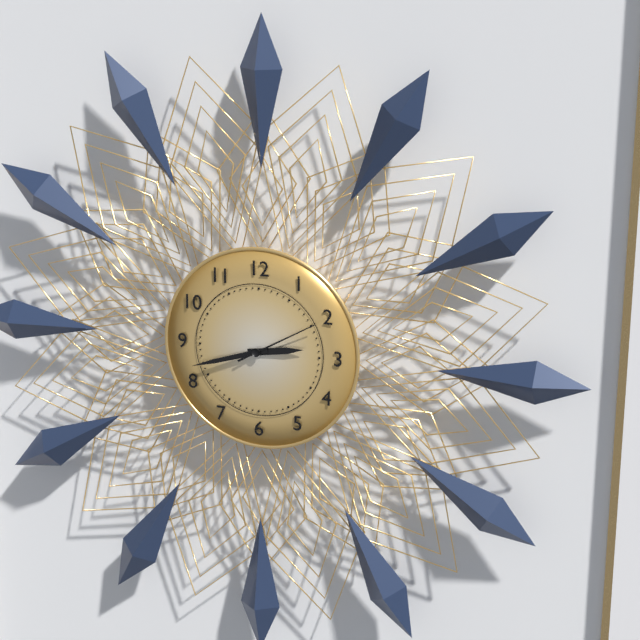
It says h=2 m=42 s=10
